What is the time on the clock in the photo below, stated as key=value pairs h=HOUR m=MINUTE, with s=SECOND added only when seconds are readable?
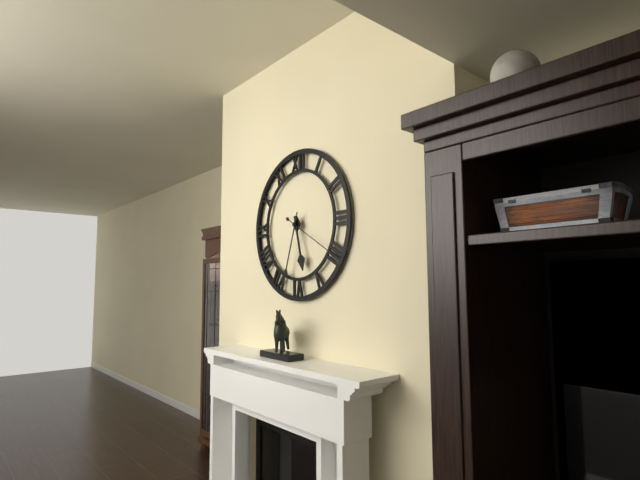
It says h=5 m=33 s=20
